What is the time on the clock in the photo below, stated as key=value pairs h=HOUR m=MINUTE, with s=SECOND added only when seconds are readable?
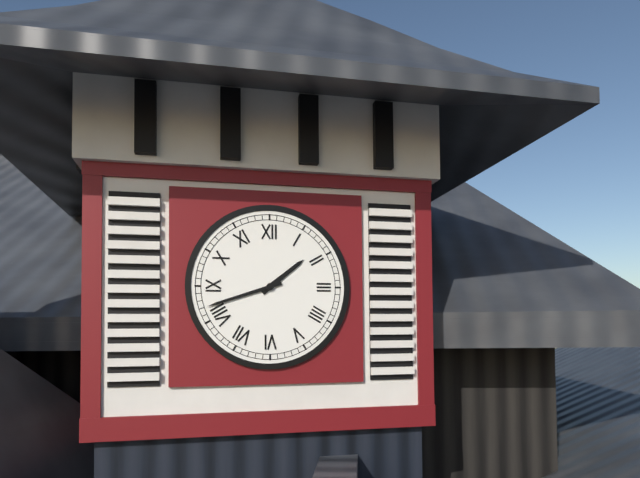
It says h=1 m=42
